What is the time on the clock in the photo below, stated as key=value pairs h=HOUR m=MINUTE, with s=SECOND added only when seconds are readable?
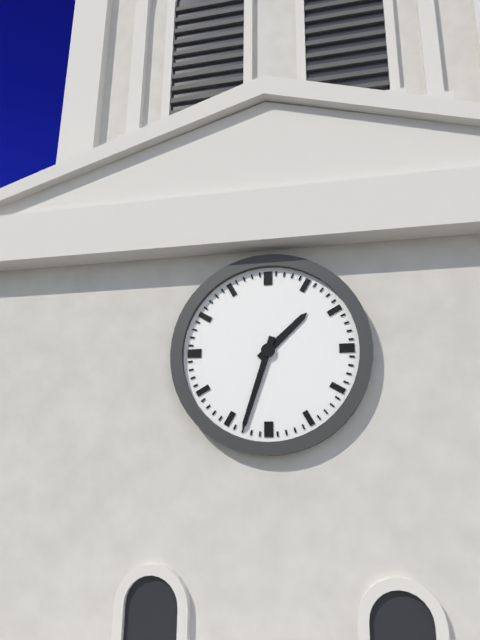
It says h=1 m=33
